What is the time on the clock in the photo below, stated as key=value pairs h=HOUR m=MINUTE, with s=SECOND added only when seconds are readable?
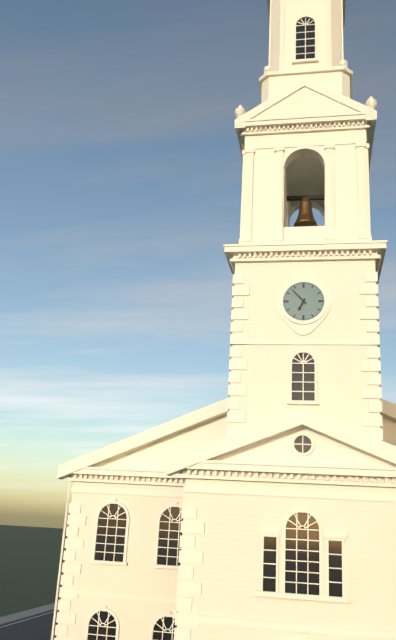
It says h=6 m=53
